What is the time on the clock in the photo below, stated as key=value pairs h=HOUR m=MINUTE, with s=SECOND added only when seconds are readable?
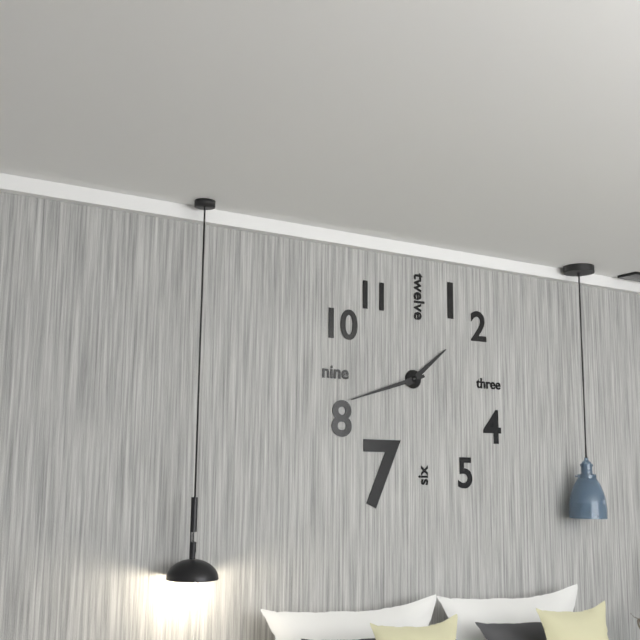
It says h=1 m=42
